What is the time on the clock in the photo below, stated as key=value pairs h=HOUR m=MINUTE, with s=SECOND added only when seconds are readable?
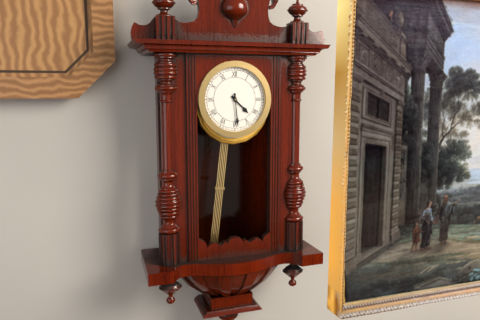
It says h=4 m=29
